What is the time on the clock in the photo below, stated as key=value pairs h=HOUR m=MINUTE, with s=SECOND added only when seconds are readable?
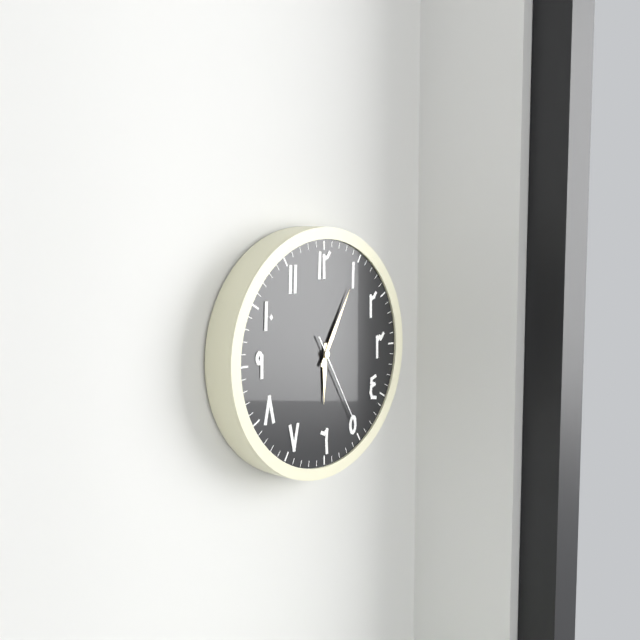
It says h=6 m=5 s=25
